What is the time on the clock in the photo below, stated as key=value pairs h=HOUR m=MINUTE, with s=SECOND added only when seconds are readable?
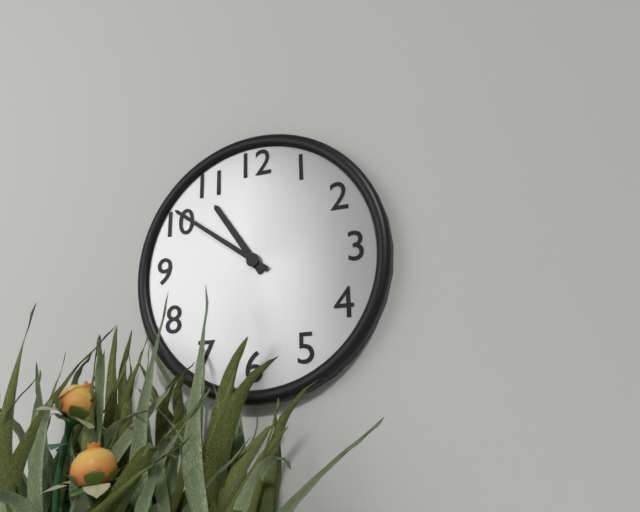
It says h=10 m=51
